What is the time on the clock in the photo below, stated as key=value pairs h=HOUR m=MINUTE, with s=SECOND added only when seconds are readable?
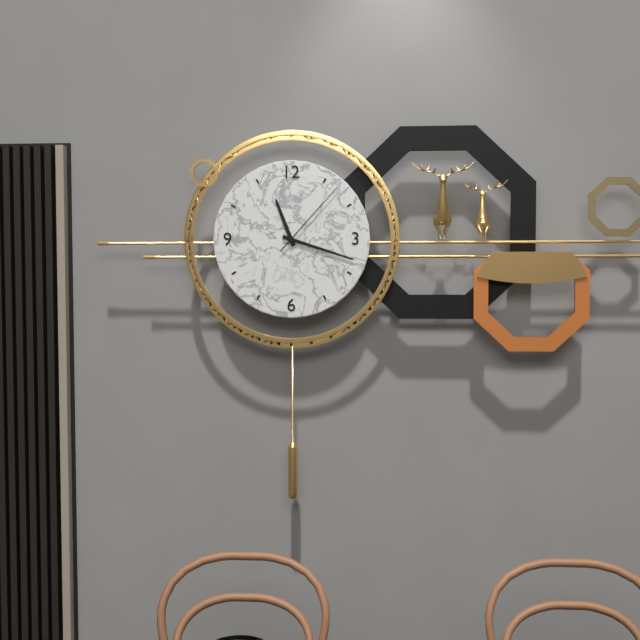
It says h=11 m=18 s=7
